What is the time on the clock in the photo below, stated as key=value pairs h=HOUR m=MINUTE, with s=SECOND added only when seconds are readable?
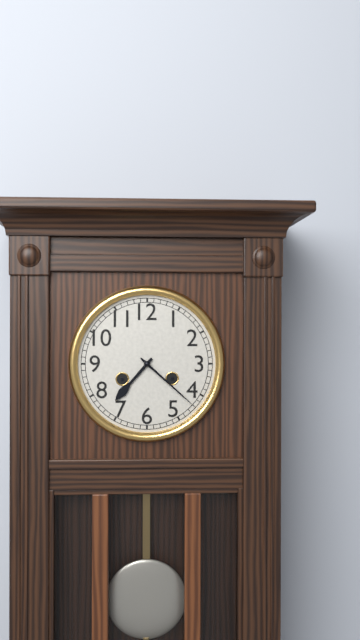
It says h=7 m=22
